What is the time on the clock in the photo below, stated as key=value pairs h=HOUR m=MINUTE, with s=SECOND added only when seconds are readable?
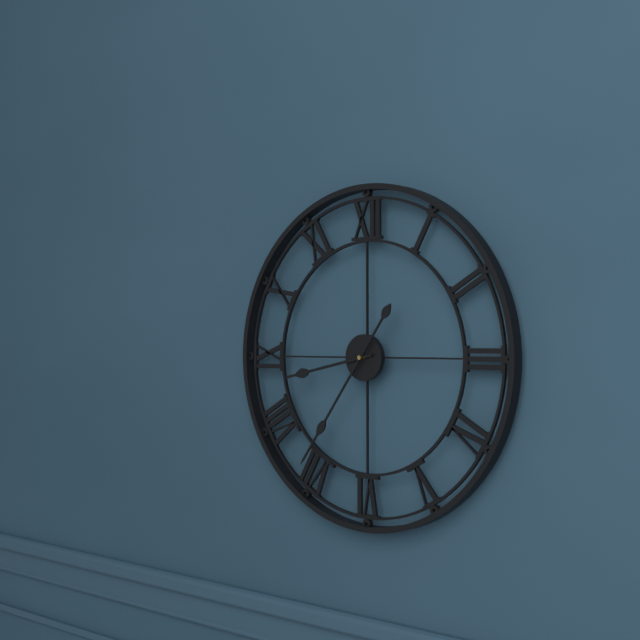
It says h=8 m=36
